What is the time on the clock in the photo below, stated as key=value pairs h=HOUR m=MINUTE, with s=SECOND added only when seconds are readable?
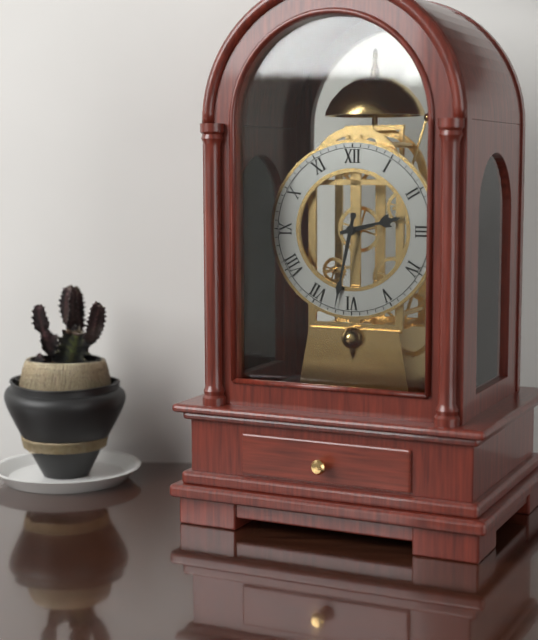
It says h=2 m=32
